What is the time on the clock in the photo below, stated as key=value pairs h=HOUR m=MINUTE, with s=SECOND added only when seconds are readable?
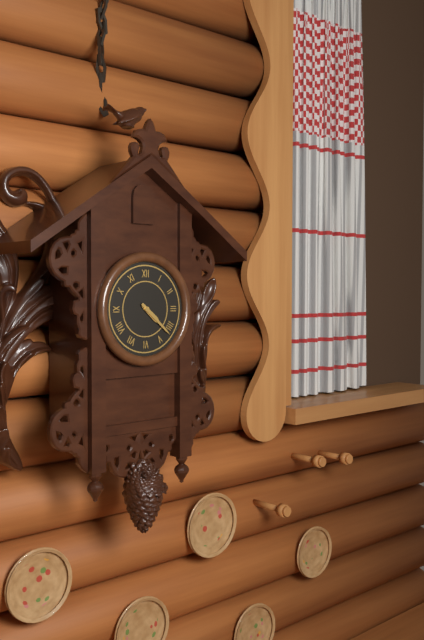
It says h=4 m=22
